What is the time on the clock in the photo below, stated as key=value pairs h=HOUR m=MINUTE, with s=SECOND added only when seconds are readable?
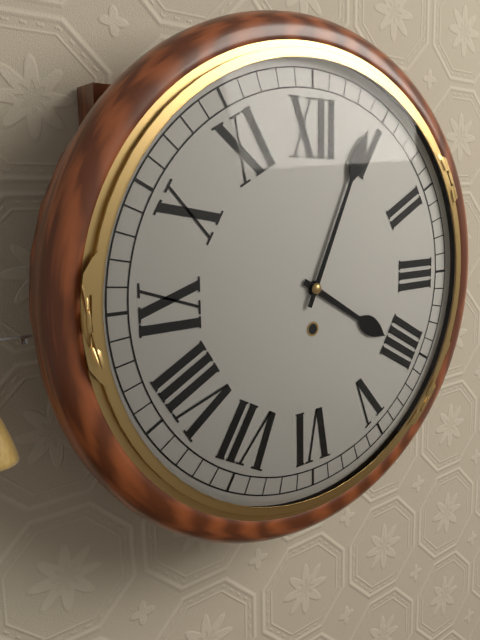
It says h=4 m=4
